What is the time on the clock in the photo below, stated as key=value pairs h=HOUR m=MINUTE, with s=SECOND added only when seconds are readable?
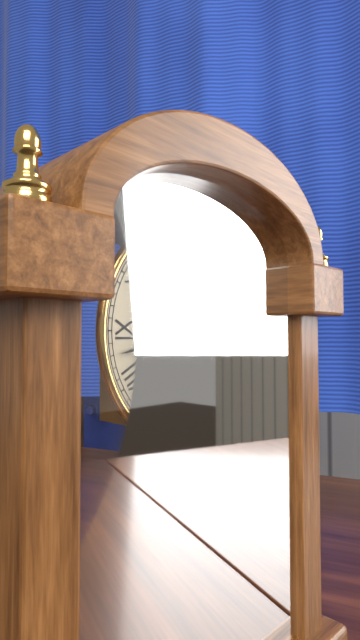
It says h=2 m=43
